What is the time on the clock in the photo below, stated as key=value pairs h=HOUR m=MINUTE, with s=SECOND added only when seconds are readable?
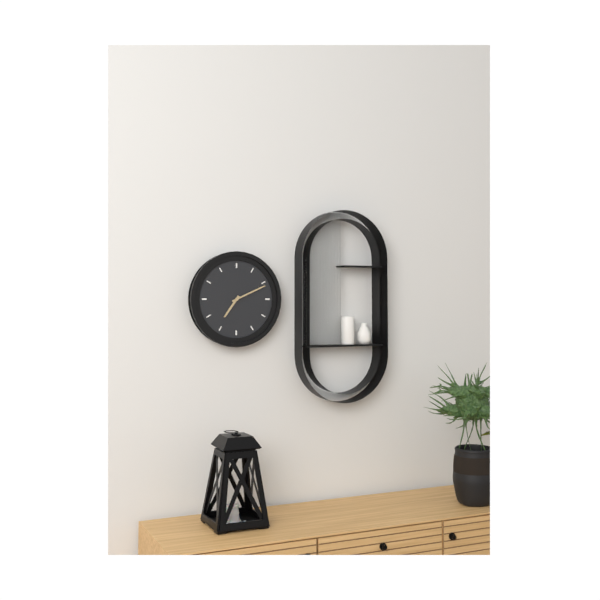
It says h=7 m=11
